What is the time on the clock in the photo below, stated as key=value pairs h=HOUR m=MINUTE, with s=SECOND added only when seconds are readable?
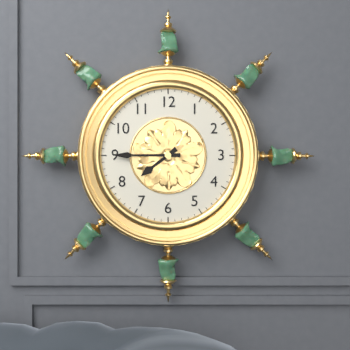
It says h=7 m=45
